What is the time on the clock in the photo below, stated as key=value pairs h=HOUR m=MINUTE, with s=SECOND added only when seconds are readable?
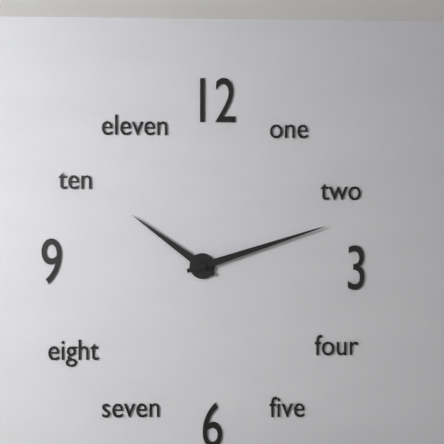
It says h=10 m=12
